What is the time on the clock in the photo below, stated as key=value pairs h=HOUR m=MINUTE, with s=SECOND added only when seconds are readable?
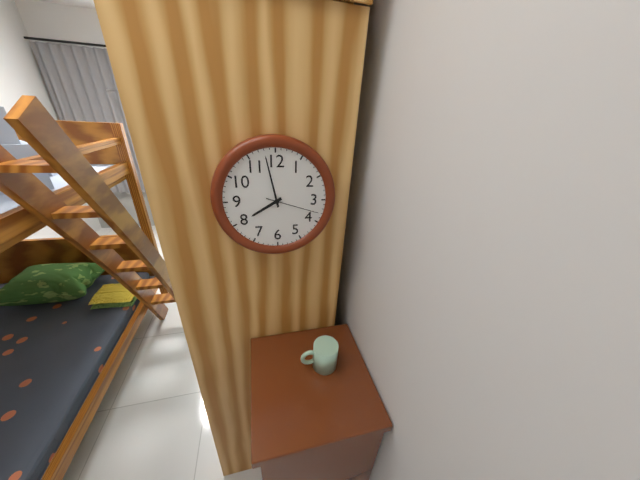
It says h=7 m=58 s=18
